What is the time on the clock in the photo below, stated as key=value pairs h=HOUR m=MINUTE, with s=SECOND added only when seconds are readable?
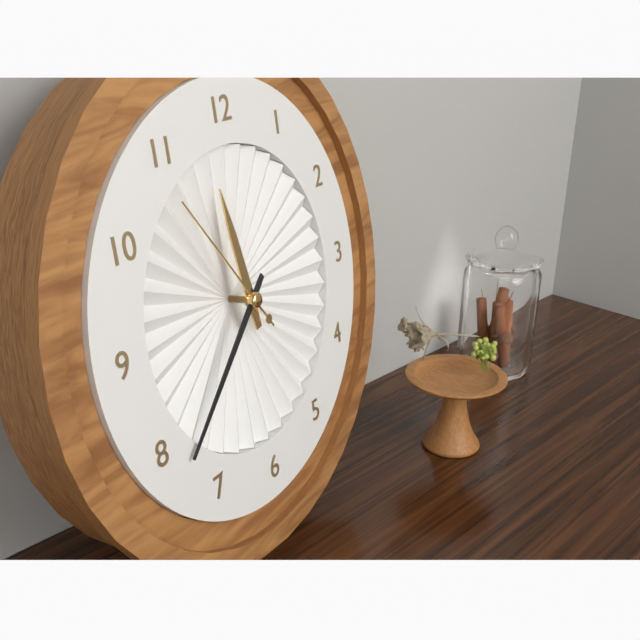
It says h=11 m=38 s=54
